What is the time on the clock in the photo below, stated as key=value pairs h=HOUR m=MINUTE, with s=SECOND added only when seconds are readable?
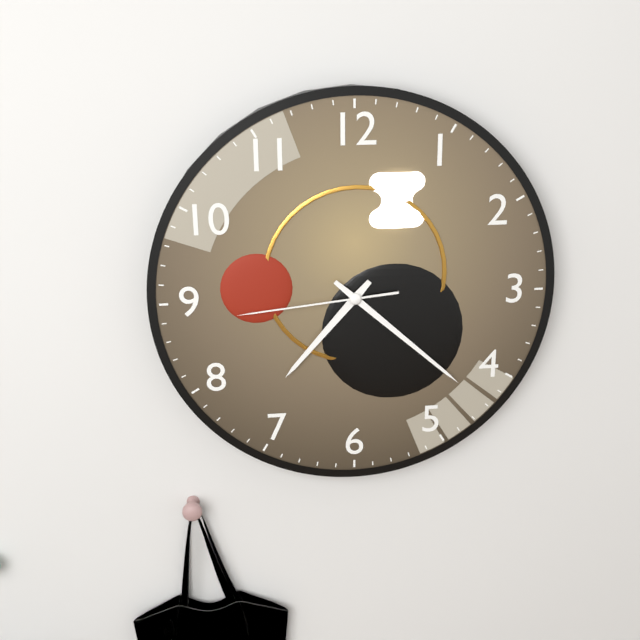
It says h=7 m=22 s=44
